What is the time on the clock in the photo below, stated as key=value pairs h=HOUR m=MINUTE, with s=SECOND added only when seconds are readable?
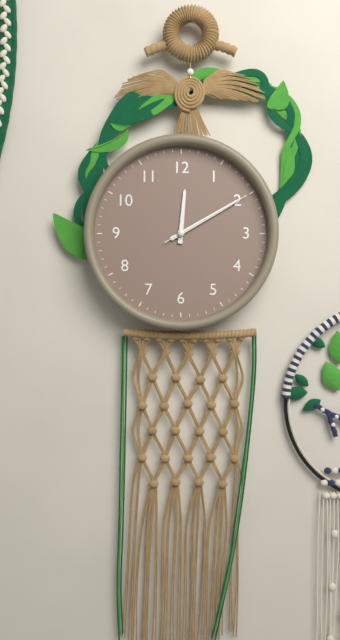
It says h=12 m=10 s=10
